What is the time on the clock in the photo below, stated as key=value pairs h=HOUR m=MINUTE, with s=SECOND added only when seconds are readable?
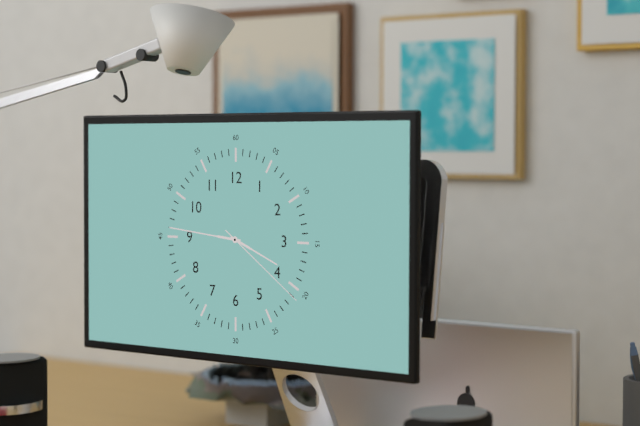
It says h=3 m=46 s=21
